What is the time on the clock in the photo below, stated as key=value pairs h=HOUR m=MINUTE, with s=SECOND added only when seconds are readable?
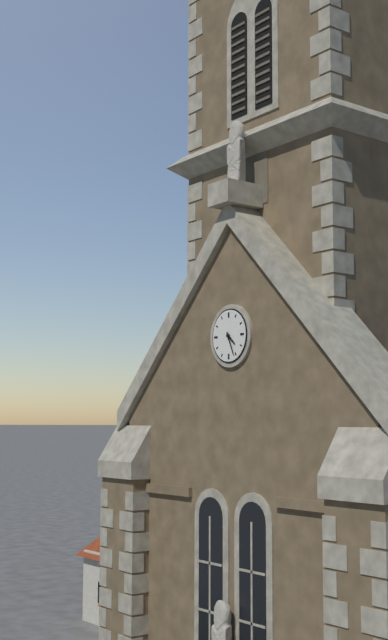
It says h=4 m=26
